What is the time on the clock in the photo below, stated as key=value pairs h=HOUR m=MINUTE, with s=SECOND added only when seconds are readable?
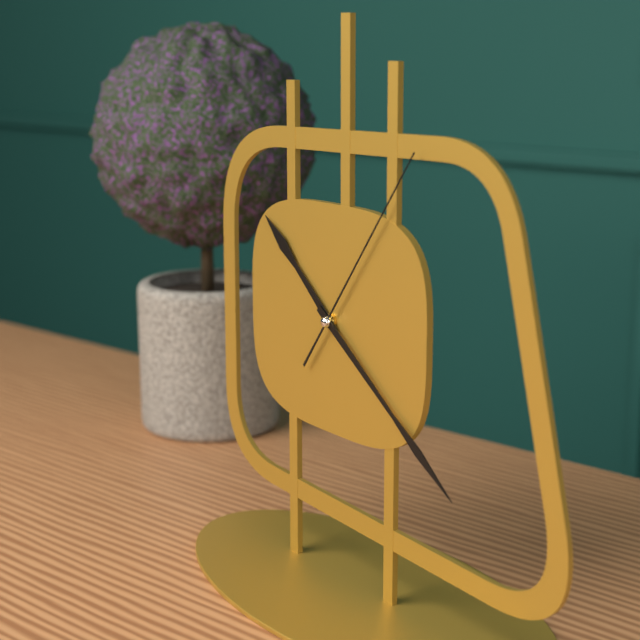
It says h=10 m=21 s=6
